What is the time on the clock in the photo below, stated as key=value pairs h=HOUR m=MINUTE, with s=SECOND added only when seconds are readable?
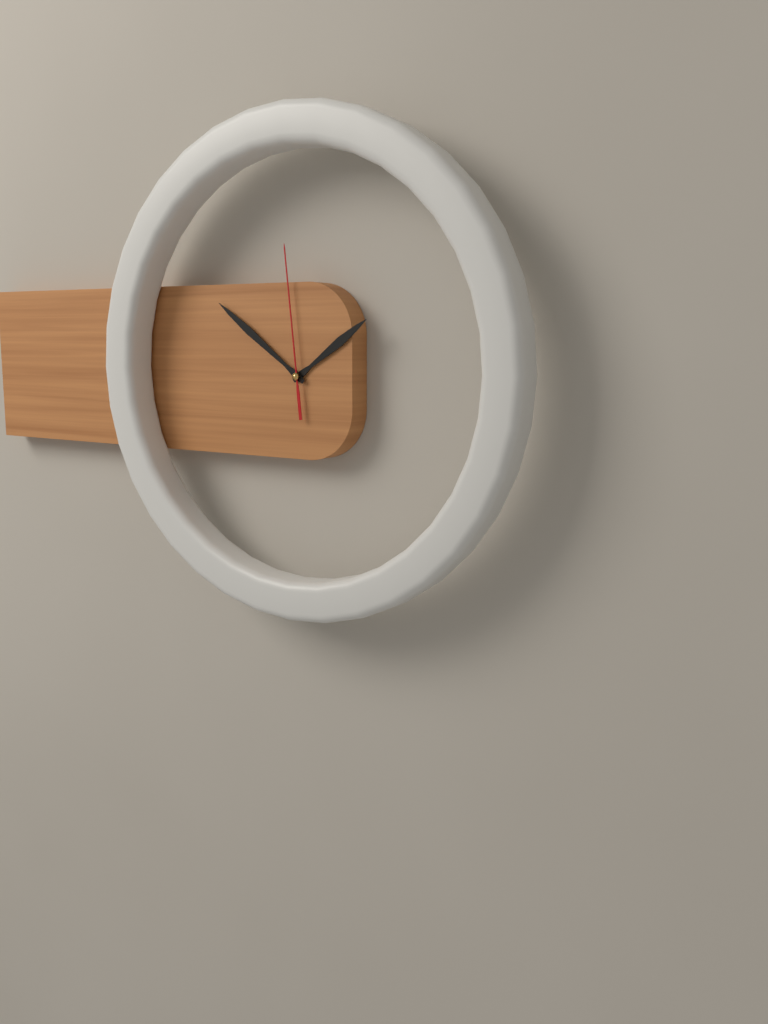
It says h=1 m=51 s=59
